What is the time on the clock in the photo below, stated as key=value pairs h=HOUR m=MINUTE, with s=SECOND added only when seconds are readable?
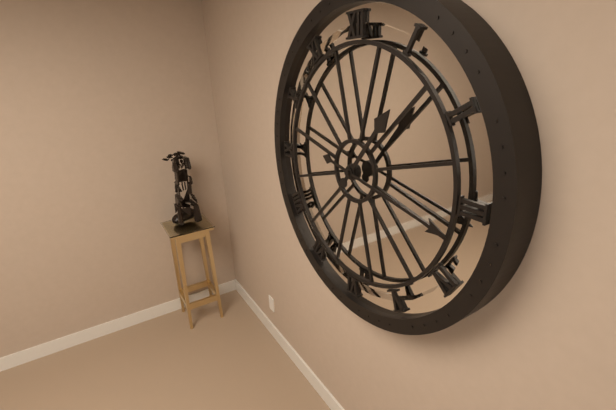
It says h=1 m=17
